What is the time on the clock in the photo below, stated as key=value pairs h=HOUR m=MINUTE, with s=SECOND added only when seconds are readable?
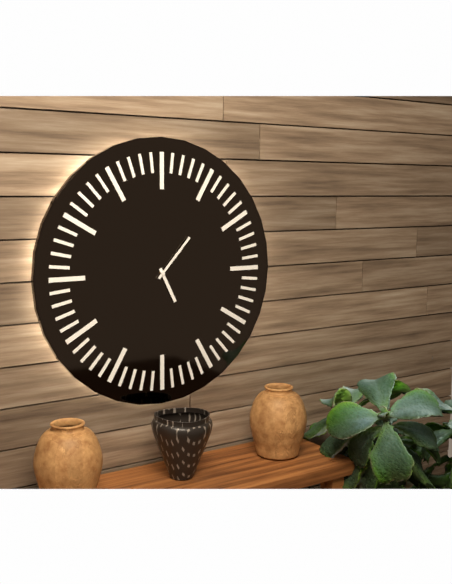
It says h=5 m=7
